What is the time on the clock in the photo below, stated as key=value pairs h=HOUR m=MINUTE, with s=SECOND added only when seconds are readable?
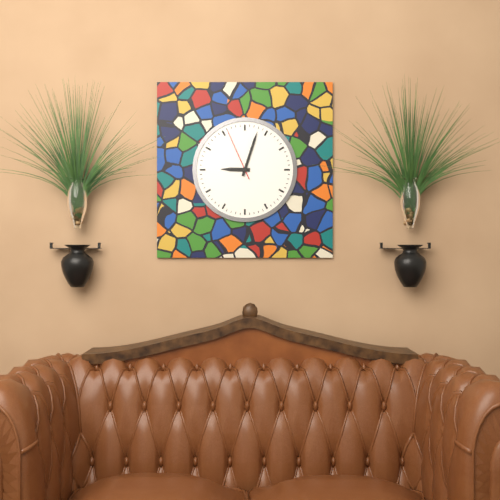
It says h=9 m=3 s=56
